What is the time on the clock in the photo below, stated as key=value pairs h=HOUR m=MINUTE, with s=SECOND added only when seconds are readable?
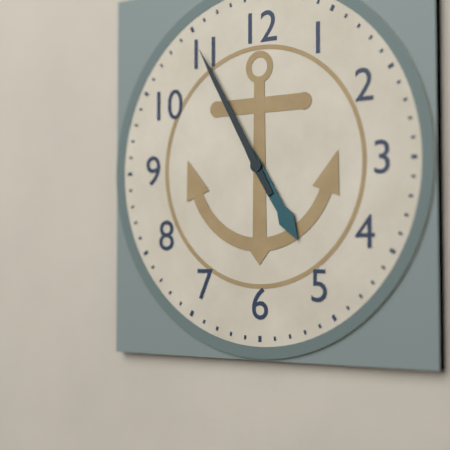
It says h=4 m=55
